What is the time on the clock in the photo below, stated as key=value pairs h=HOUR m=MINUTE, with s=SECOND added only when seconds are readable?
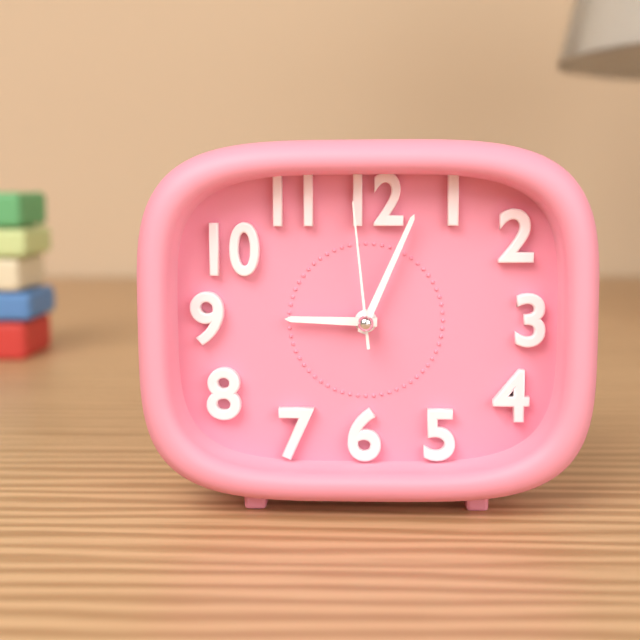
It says h=9 m=4 s=59
